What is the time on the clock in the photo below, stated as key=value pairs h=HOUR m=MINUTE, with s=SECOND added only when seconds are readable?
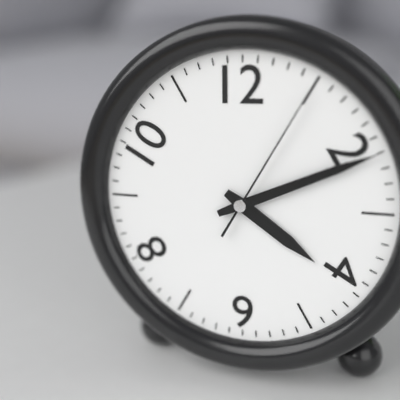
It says h=4 m=11 s=5
